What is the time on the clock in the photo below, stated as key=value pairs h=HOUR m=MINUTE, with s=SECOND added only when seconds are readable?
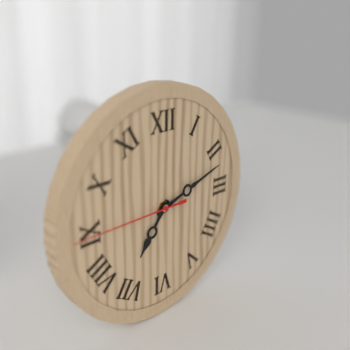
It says h=7 m=12 s=45
